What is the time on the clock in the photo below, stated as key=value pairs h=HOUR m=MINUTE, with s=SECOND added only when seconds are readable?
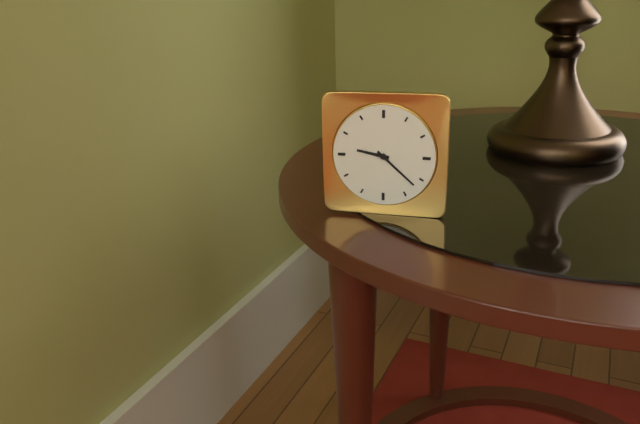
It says h=9 m=22
